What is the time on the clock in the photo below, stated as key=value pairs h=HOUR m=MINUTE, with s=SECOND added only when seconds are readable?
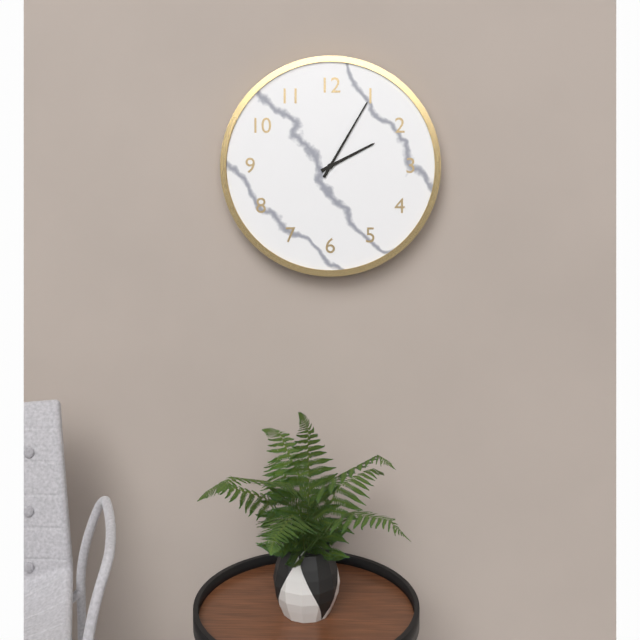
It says h=2 m=5
